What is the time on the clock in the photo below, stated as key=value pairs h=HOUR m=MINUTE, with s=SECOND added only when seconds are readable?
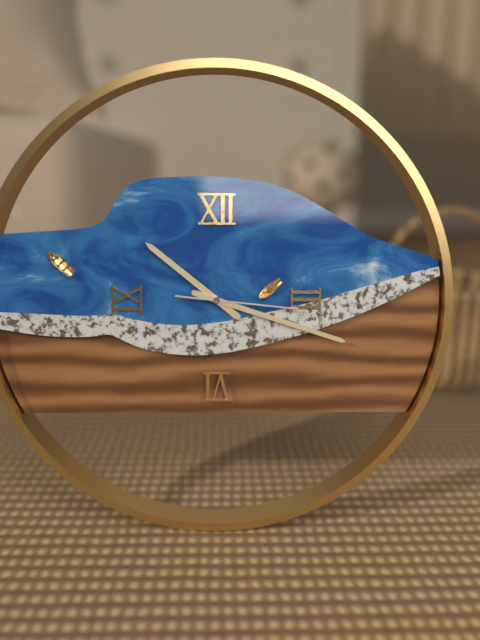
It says h=10 m=18 s=16
